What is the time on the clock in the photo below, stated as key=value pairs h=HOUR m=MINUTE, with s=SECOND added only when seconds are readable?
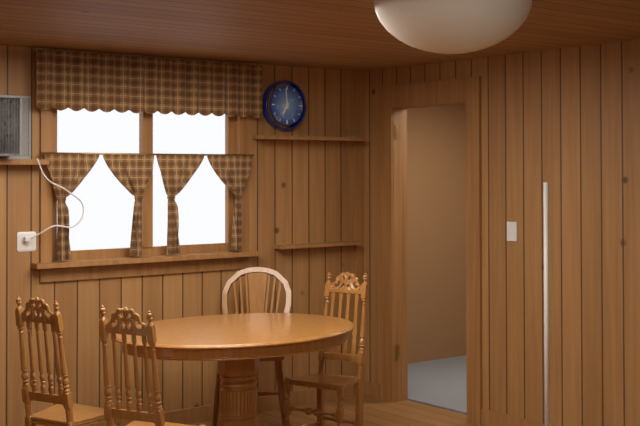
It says h=6 m=59
